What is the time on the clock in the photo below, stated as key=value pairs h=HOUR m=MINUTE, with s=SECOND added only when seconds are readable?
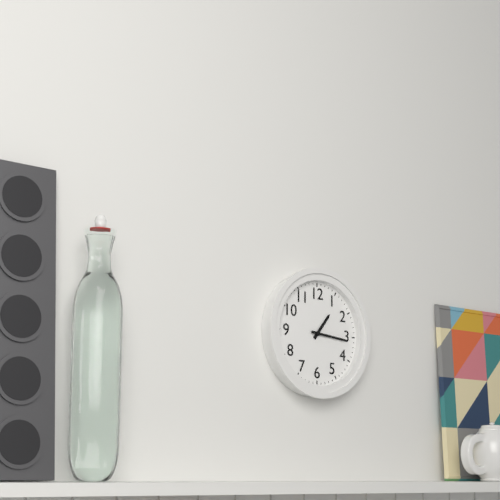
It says h=1 m=16
